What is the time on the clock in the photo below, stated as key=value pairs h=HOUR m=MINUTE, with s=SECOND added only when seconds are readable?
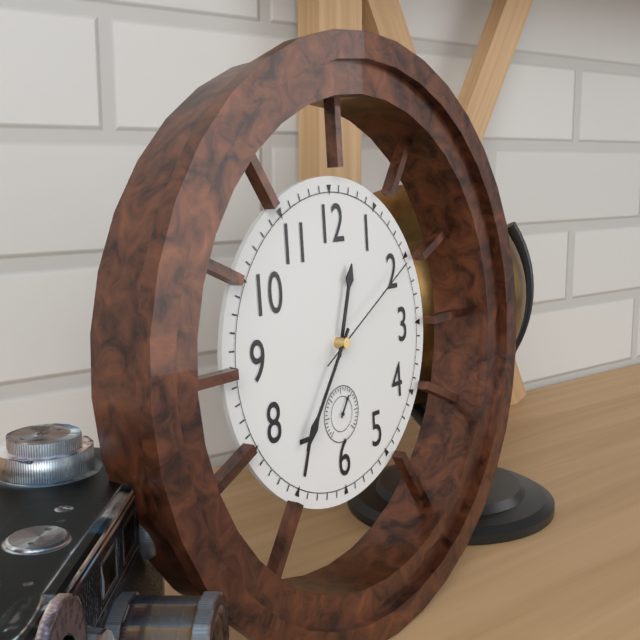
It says h=12 m=36 s=10
